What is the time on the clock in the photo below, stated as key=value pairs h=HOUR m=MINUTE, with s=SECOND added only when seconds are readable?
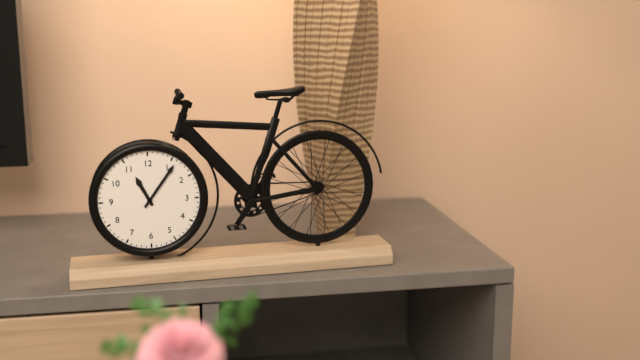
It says h=11 m=6
